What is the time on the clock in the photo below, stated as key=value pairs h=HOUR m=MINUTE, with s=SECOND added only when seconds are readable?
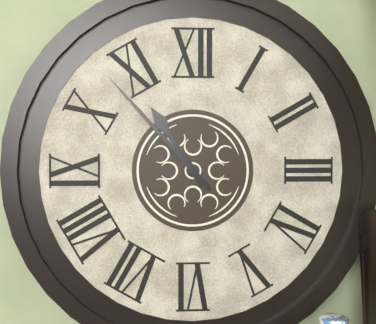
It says h=10 m=53
